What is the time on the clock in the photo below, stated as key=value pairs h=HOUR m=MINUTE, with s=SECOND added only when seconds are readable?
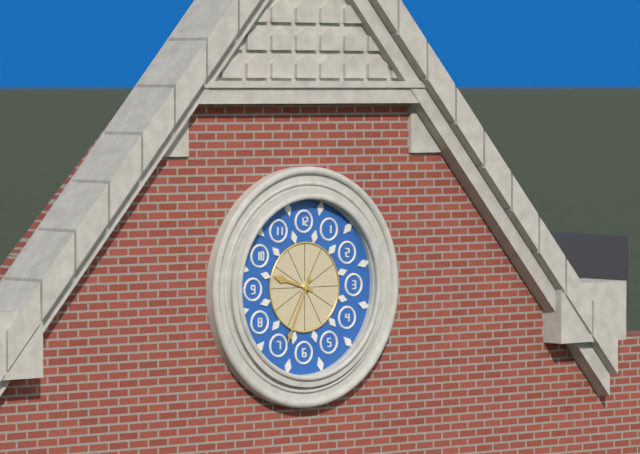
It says h=9 m=34
